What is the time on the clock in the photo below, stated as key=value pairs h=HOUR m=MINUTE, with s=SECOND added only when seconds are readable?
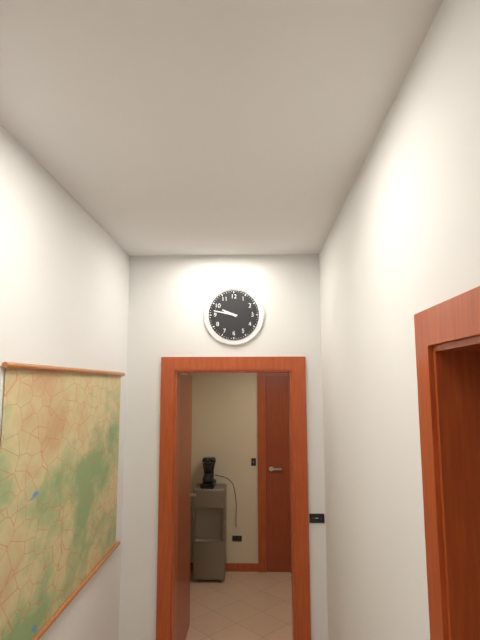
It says h=9 m=47
